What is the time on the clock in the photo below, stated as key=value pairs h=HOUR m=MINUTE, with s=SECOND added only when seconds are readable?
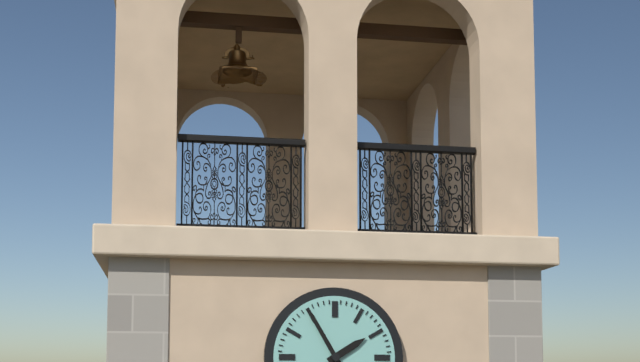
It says h=1 m=55
